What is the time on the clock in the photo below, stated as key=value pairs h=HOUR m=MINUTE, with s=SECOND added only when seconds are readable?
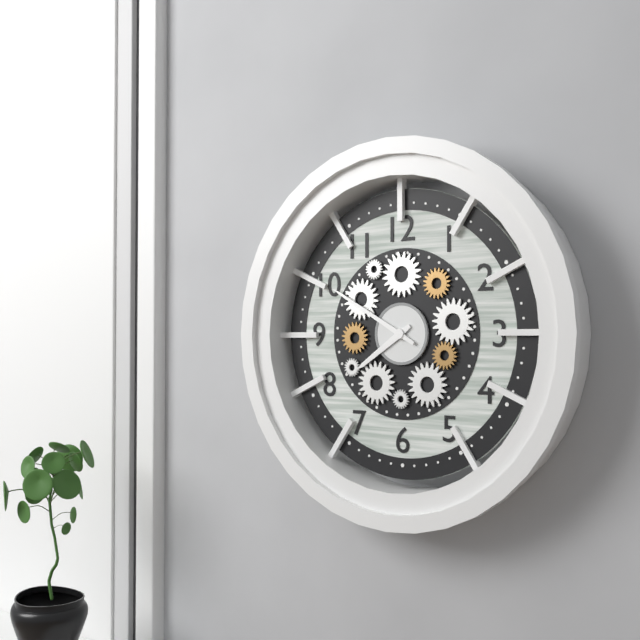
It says h=7 m=50
